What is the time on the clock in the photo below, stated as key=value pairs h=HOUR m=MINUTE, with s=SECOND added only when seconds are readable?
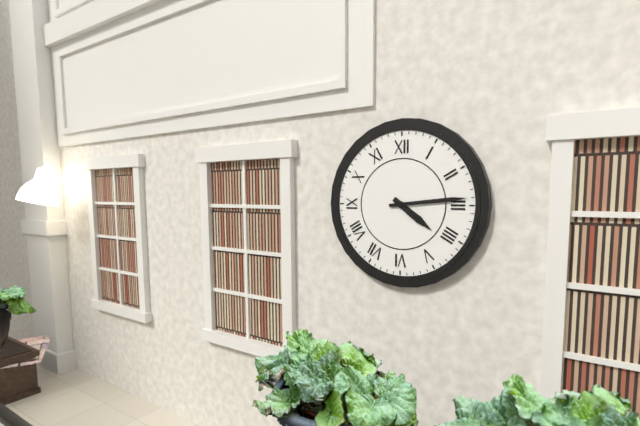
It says h=4 m=14
